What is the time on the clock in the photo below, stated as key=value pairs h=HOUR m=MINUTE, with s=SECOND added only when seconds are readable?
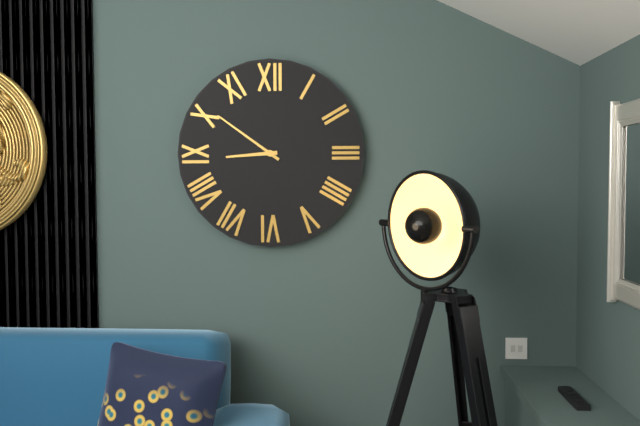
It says h=8 m=51
